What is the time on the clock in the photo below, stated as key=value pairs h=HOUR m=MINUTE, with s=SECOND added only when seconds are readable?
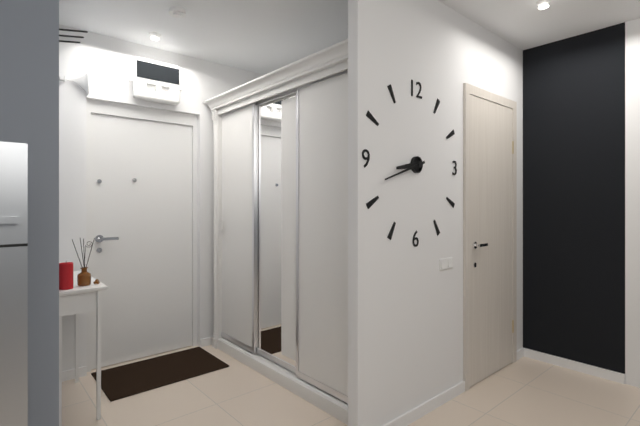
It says h=8 m=42
